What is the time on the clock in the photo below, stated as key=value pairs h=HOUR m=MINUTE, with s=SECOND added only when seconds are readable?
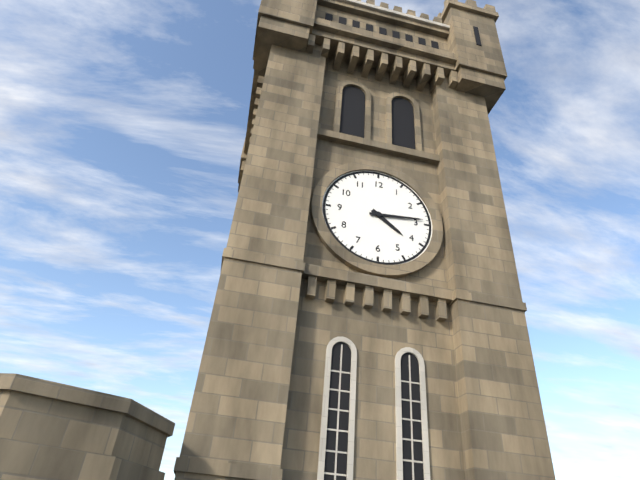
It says h=4 m=14
